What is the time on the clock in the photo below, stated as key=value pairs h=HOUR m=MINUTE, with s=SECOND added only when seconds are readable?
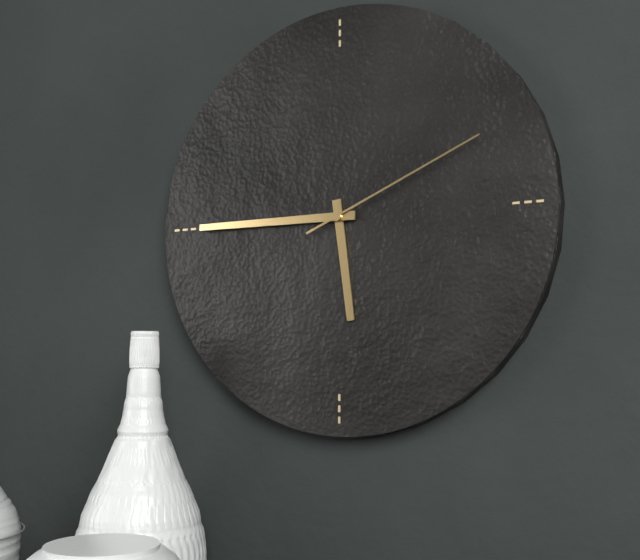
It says h=5 m=45 s=11
